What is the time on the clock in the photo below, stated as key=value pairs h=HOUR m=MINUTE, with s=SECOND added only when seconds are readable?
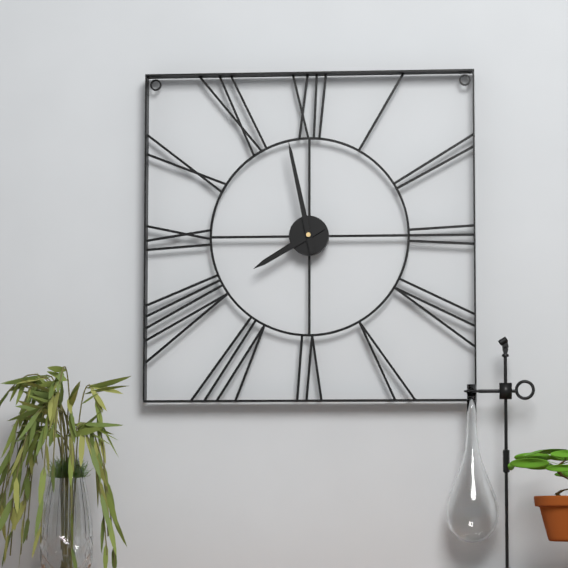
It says h=7 m=58
